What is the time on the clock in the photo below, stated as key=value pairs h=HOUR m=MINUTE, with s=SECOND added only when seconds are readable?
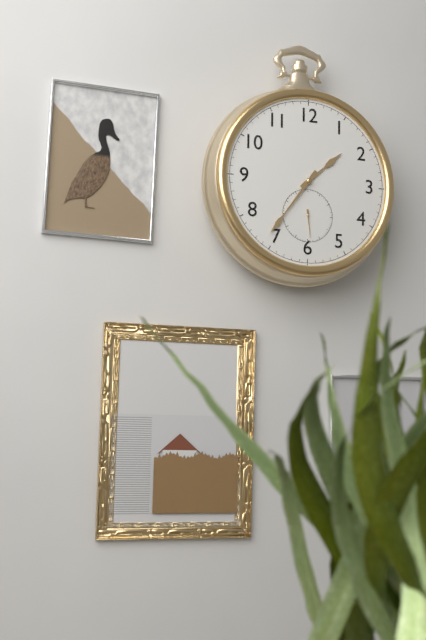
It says h=1 m=36
